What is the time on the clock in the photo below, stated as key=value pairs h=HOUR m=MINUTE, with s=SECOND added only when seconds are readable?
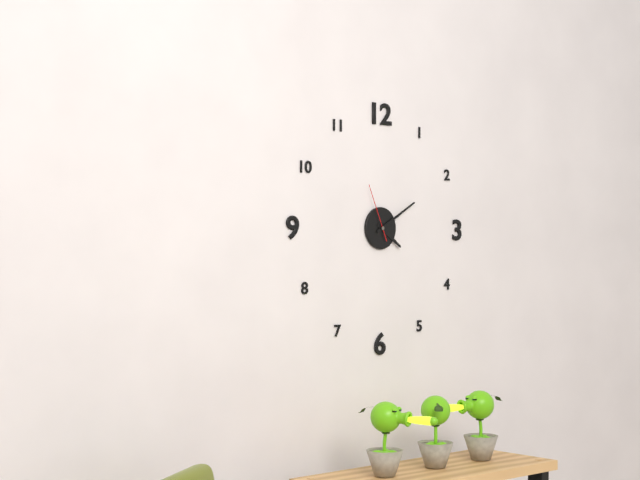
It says h=4 m=10 s=56
